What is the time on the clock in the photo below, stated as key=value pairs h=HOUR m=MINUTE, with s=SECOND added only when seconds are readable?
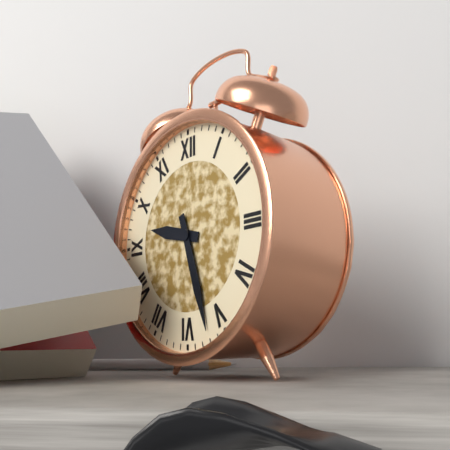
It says h=9 m=27
